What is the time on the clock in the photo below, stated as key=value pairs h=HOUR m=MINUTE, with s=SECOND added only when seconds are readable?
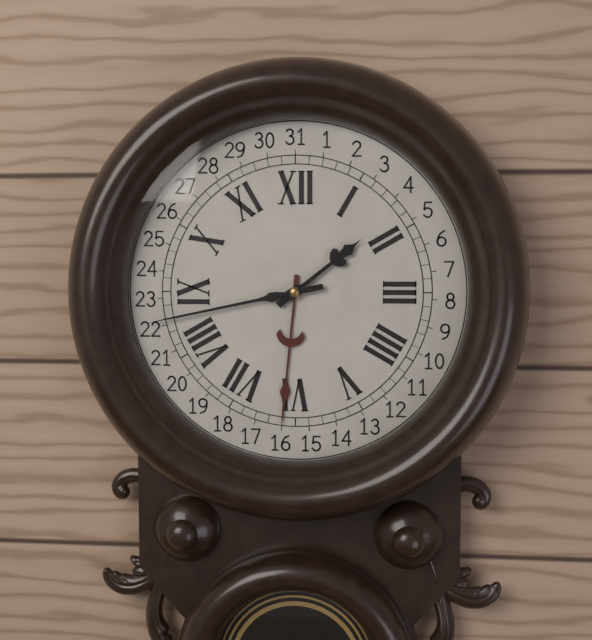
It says h=1 m=43
